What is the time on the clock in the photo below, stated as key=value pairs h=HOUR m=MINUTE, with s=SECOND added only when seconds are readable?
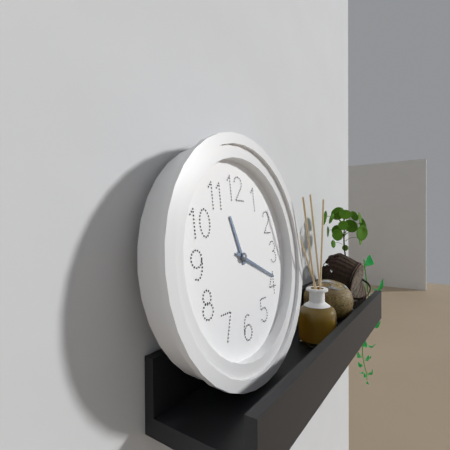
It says h=11 m=19
